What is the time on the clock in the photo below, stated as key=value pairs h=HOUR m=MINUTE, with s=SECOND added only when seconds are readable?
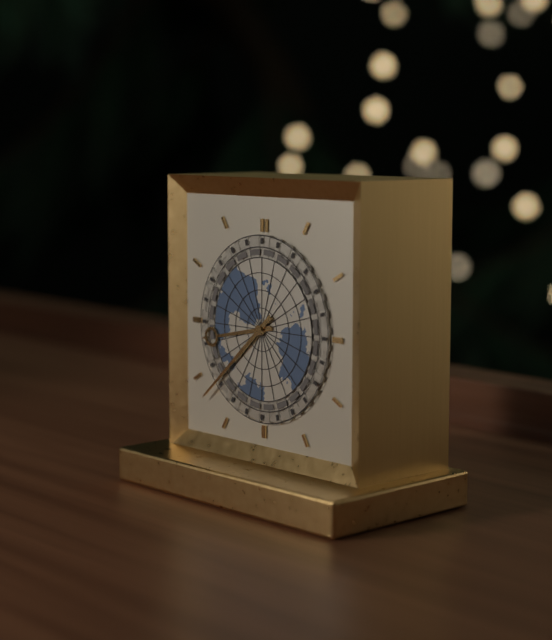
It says h=8 m=38
